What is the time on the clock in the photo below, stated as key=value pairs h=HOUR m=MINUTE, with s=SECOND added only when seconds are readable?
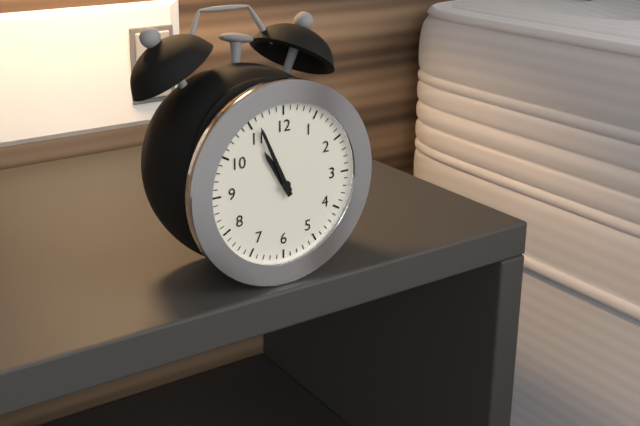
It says h=10 m=56
